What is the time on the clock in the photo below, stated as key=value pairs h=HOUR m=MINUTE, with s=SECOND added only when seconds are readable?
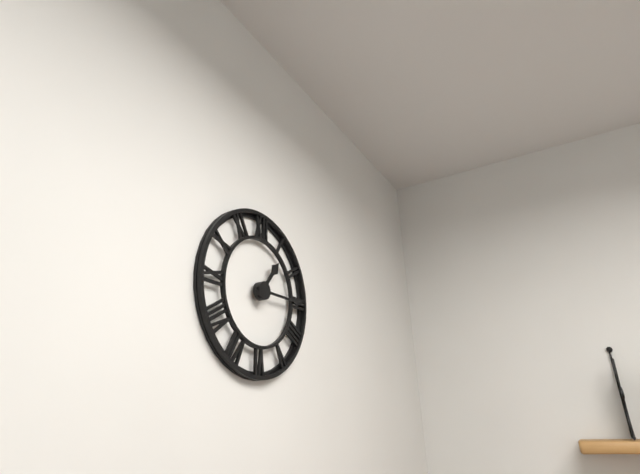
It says h=1 m=15
